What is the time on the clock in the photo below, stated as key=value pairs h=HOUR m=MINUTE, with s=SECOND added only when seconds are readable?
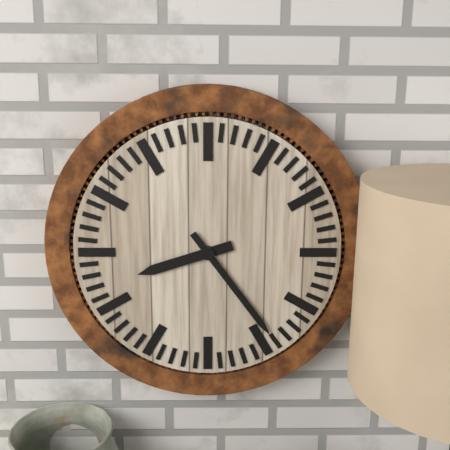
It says h=8 m=24
